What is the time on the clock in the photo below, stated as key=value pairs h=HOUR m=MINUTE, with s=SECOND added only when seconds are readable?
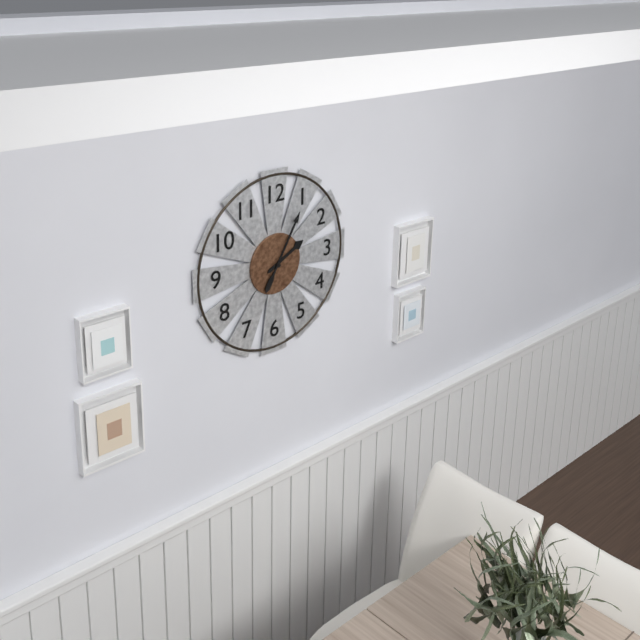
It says h=2 m=5
